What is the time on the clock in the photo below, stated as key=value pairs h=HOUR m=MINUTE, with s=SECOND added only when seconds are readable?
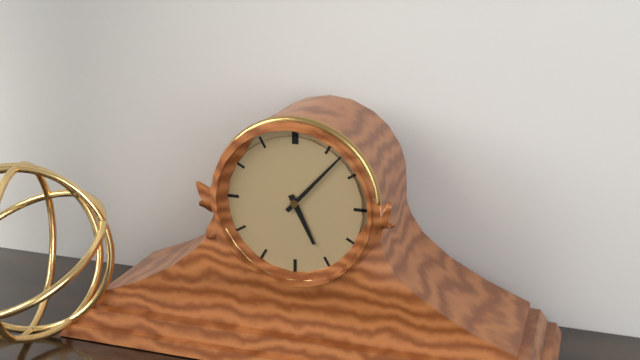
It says h=5 m=7
